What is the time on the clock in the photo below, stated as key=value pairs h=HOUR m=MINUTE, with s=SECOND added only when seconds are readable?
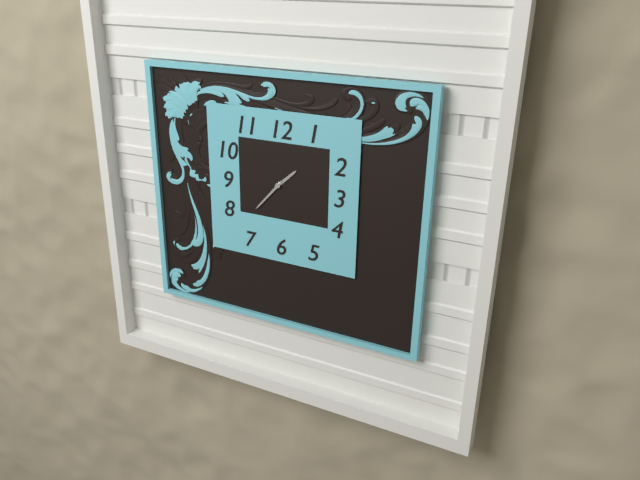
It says h=1 m=37
